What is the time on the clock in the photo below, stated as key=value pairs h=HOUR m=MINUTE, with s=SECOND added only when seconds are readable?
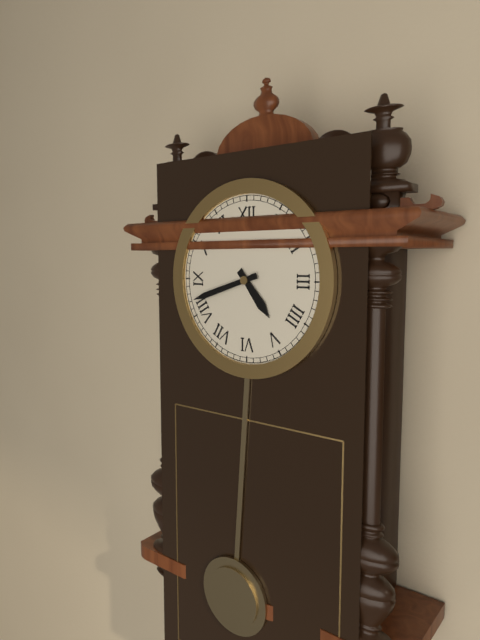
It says h=4 m=42
